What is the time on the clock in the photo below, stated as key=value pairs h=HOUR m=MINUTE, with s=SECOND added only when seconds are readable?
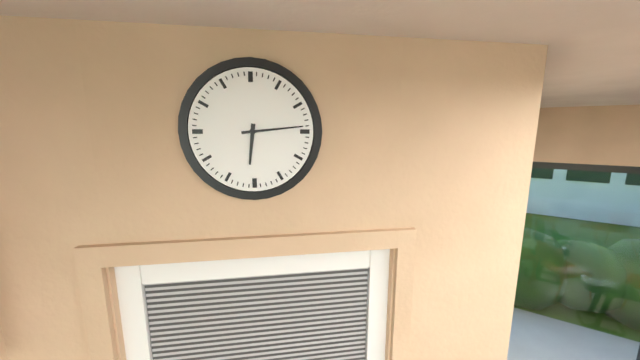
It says h=6 m=14
